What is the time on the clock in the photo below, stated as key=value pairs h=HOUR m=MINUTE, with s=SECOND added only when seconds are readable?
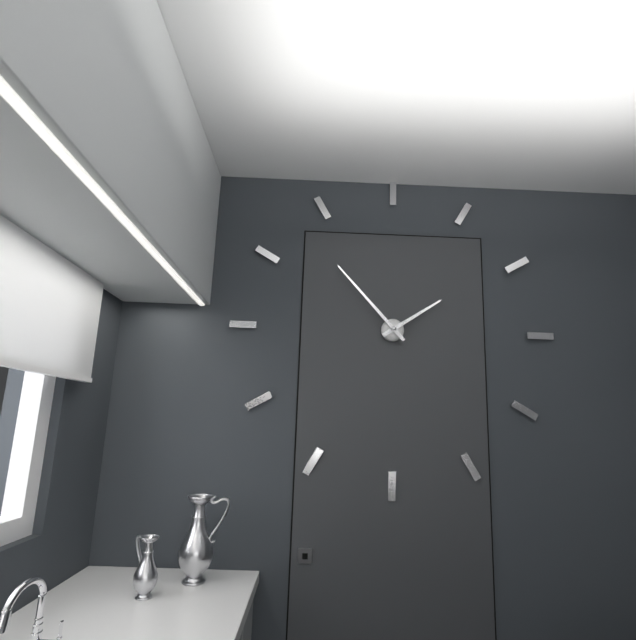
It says h=1 m=53
